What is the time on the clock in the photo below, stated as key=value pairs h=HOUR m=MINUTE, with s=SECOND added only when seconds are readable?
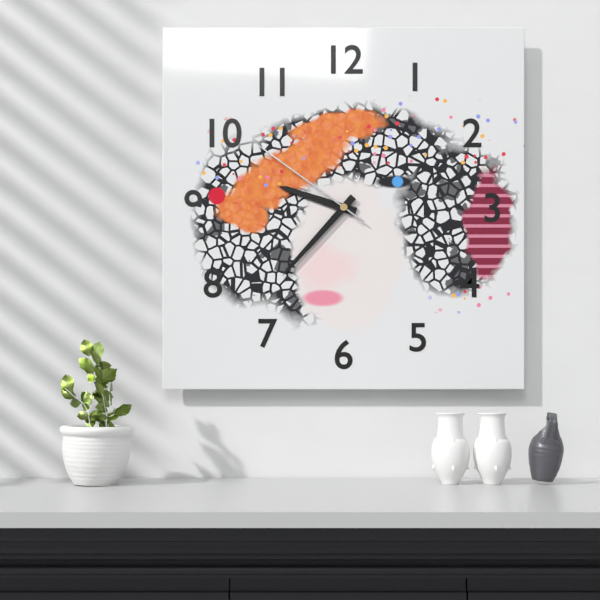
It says h=9 m=37 s=51
